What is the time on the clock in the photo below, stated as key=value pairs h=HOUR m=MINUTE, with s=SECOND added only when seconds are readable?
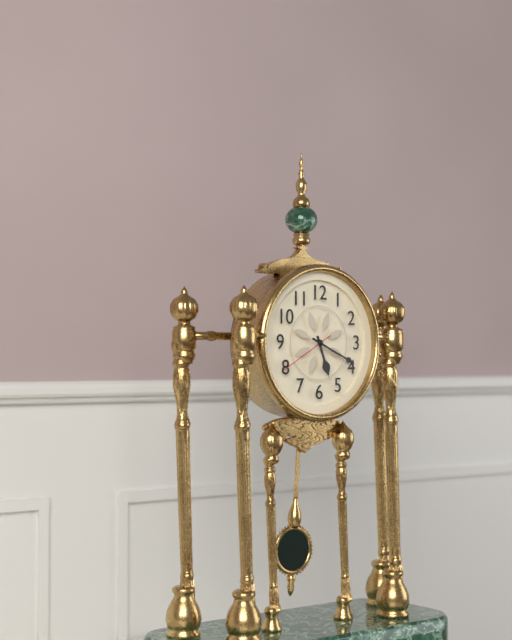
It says h=5 m=19 s=40
